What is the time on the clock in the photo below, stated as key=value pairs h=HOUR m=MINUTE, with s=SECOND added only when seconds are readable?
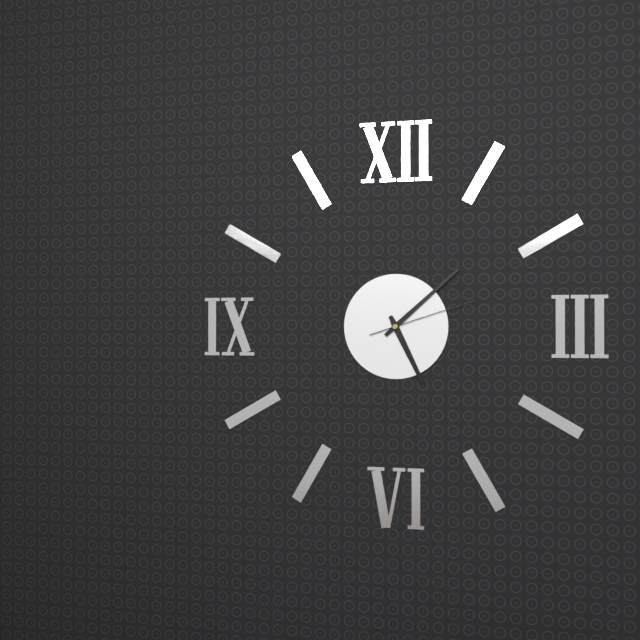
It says h=5 m=8 s=12
